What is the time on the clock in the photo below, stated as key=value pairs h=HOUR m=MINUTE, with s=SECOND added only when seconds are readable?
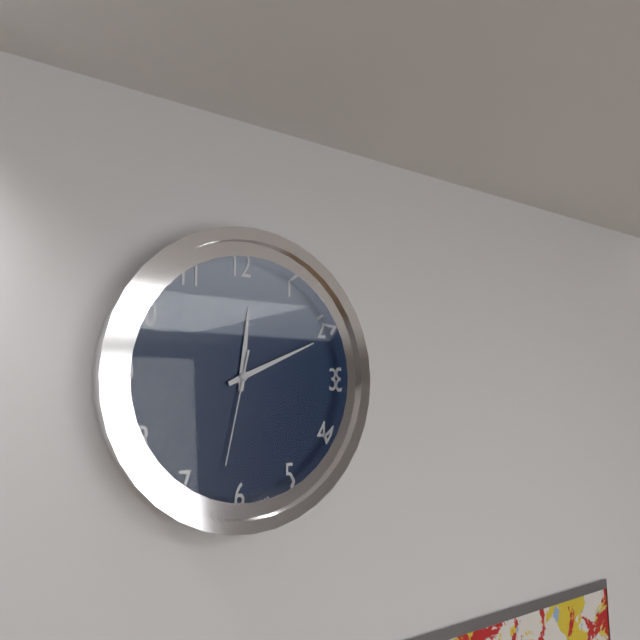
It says h=12 m=11 s=32
